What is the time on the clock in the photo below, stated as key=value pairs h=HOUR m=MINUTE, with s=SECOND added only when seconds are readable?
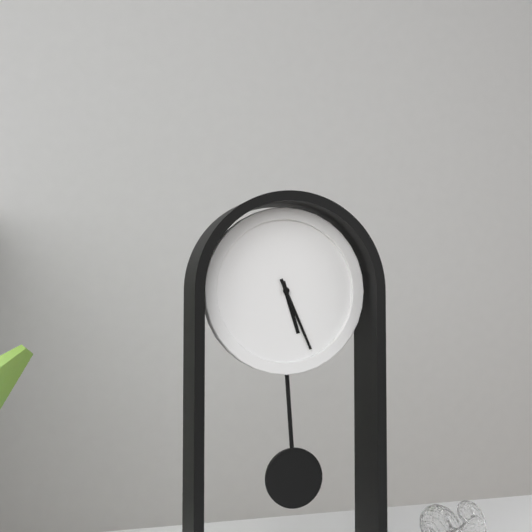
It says h=5 m=26
